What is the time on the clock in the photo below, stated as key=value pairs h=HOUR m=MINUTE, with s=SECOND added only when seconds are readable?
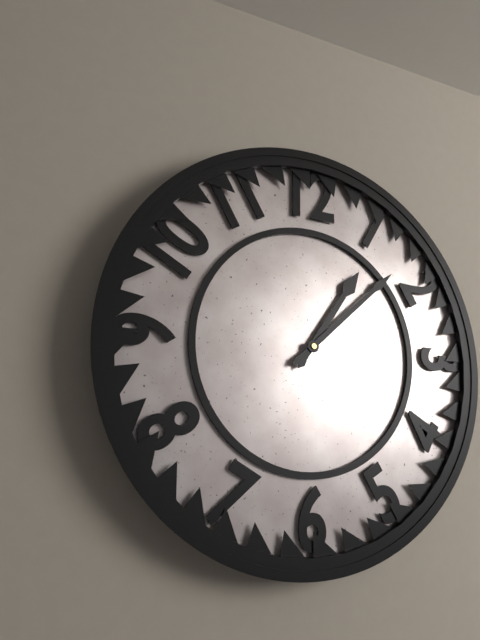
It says h=1 m=8
